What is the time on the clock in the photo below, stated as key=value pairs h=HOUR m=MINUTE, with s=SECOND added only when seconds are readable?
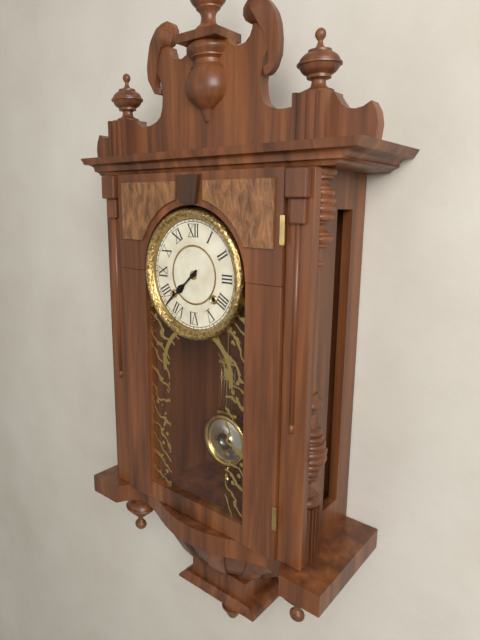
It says h=7 m=38
